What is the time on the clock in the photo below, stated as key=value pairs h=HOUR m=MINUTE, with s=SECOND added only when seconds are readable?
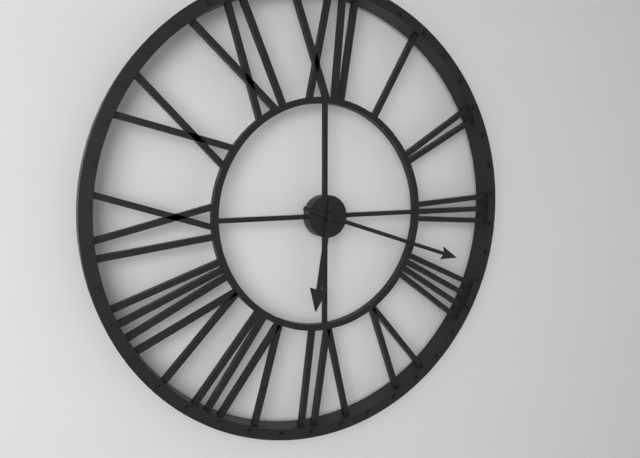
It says h=6 m=18
